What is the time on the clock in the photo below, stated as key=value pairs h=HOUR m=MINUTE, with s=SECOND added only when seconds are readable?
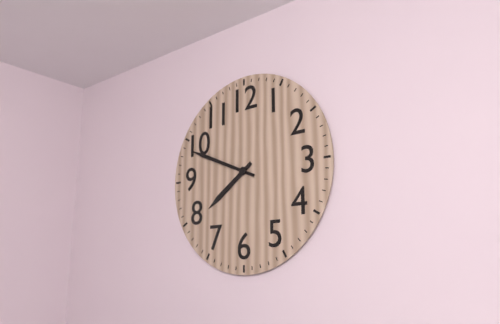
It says h=7 m=49
